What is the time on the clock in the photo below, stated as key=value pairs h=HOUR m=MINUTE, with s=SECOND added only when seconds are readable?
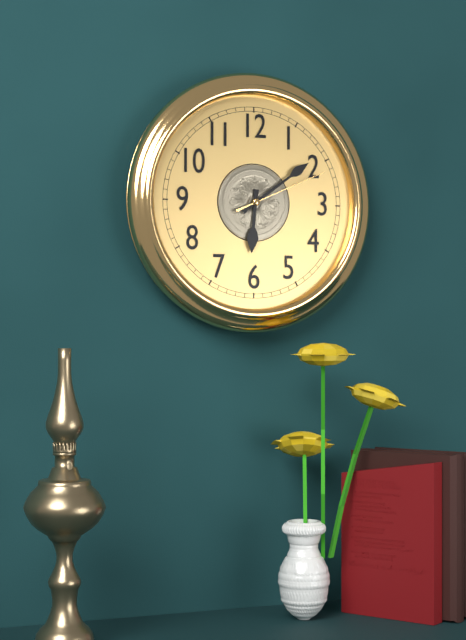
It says h=6 m=9 s=11
